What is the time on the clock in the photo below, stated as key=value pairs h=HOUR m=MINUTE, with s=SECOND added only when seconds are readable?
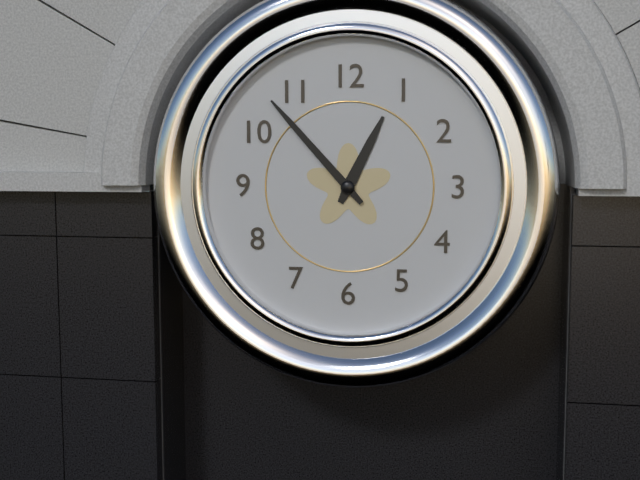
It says h=12 m=53
